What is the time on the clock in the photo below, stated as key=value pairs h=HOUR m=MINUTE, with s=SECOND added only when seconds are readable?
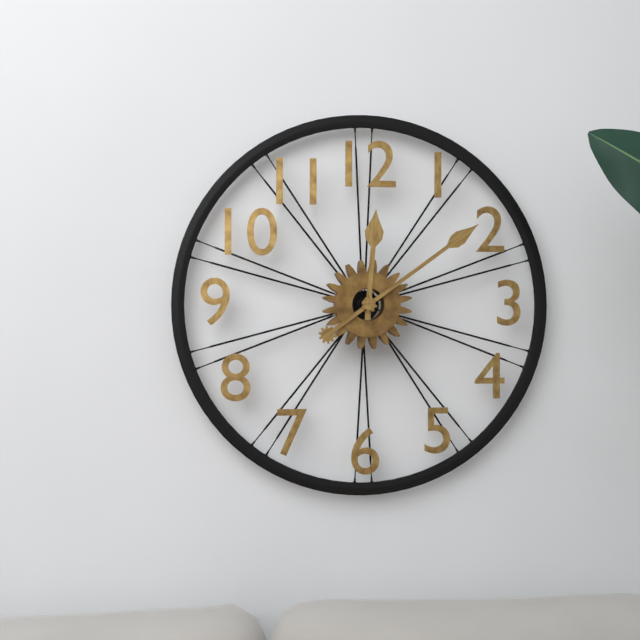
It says h=12 m=9
